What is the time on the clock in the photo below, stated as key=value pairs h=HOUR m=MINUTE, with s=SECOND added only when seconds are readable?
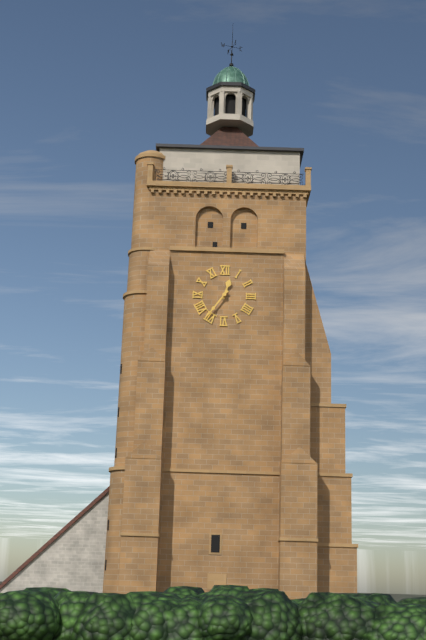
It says h=12 m=36
